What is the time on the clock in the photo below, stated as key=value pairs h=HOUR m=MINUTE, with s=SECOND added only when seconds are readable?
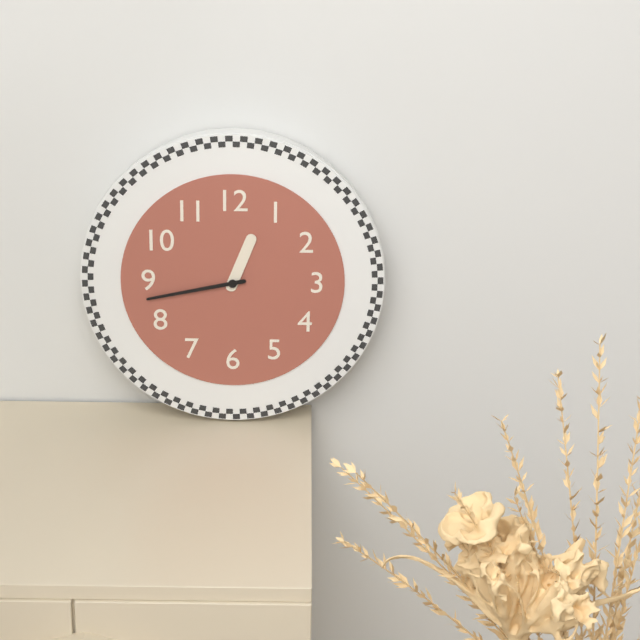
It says h=12 m=43
